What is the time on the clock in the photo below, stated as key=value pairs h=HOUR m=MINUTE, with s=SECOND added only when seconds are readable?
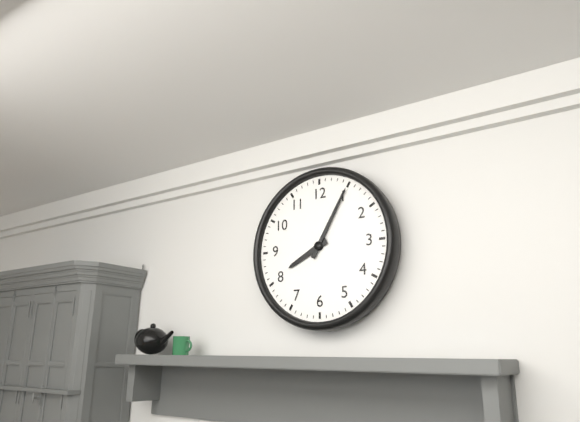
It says h=8 m=5
